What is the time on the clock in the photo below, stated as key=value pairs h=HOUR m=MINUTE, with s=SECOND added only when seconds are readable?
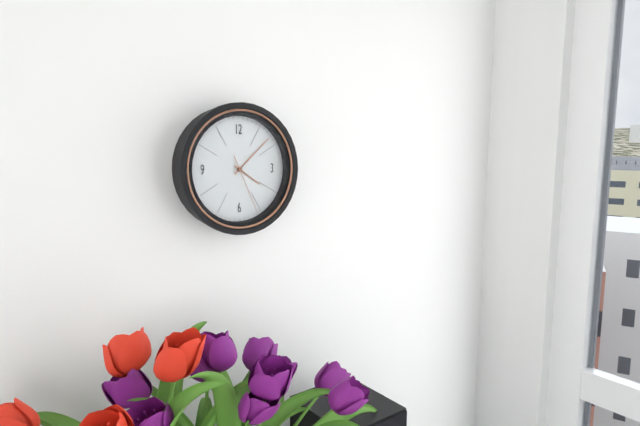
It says h=4 m=8 s=26
